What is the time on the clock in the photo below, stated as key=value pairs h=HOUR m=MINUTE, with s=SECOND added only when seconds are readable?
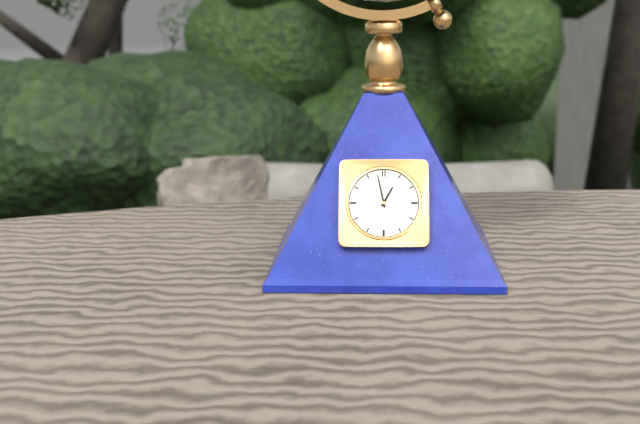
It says h=12 m=58
